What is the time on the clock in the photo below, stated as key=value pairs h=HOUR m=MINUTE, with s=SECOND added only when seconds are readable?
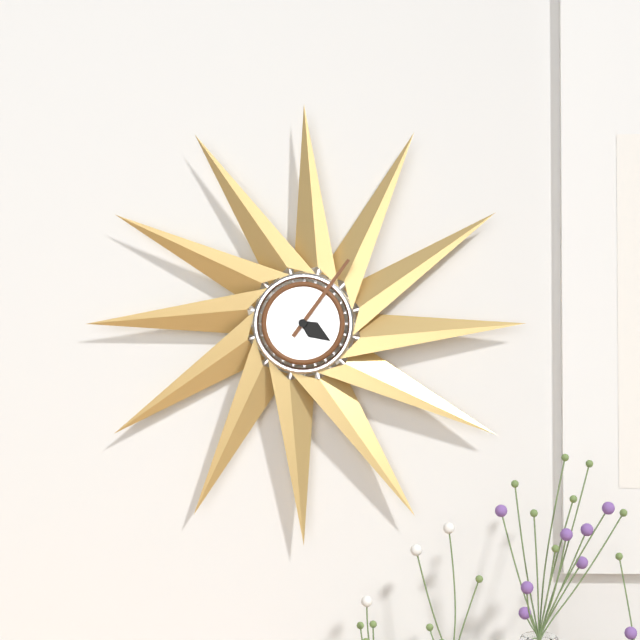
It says h=4 m=6
